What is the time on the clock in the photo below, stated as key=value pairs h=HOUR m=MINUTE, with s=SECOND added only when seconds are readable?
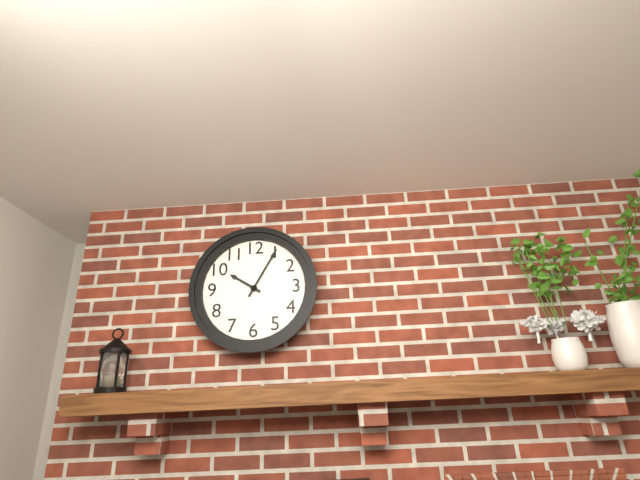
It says h=10 m=5
